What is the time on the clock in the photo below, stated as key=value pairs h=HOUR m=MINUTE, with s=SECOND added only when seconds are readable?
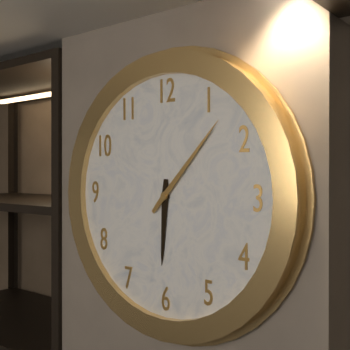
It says h=6 m=7
